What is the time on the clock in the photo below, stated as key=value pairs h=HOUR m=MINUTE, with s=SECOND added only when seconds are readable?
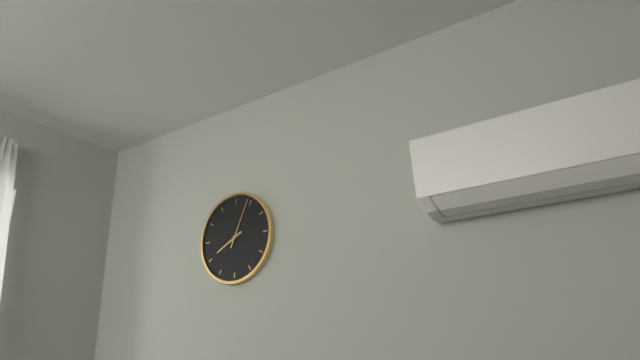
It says h=8 m=4
